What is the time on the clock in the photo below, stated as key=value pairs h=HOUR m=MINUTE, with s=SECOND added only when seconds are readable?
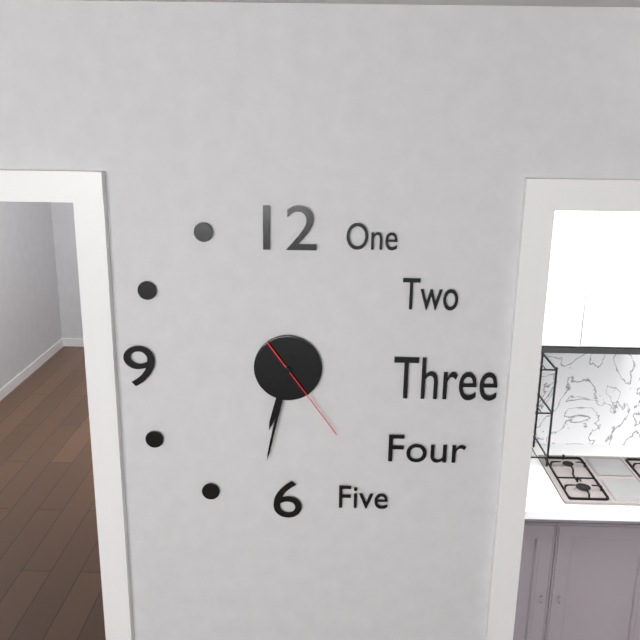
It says h=6 m=32 s=24
